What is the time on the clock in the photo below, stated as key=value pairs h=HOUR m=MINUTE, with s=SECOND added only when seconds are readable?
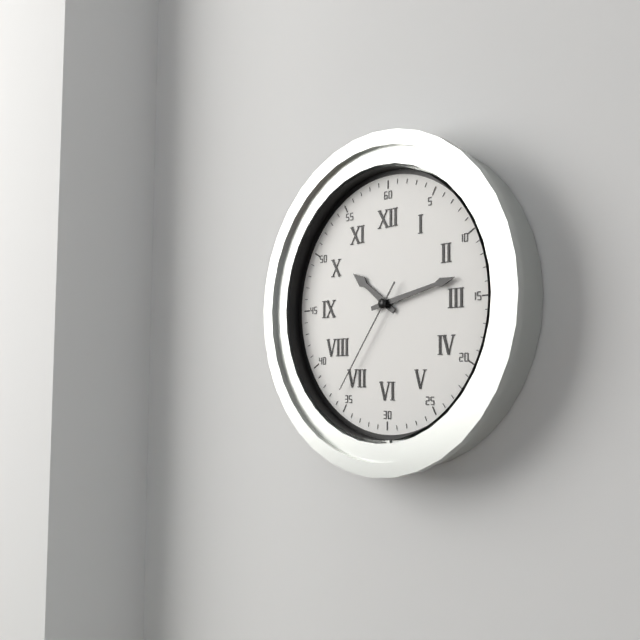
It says h=10 m=13 s=36
